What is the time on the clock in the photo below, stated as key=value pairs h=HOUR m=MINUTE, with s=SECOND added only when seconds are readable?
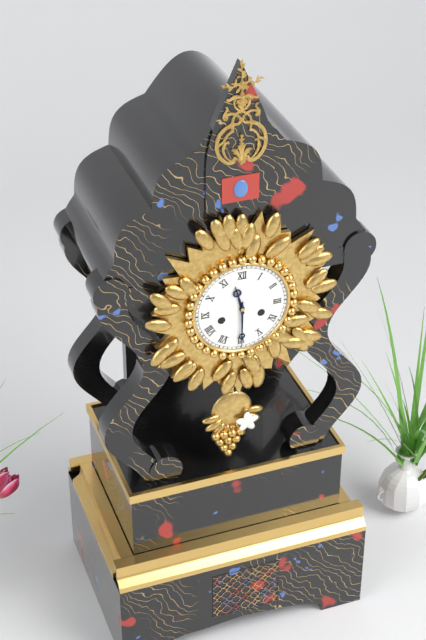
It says h=11 m=30
